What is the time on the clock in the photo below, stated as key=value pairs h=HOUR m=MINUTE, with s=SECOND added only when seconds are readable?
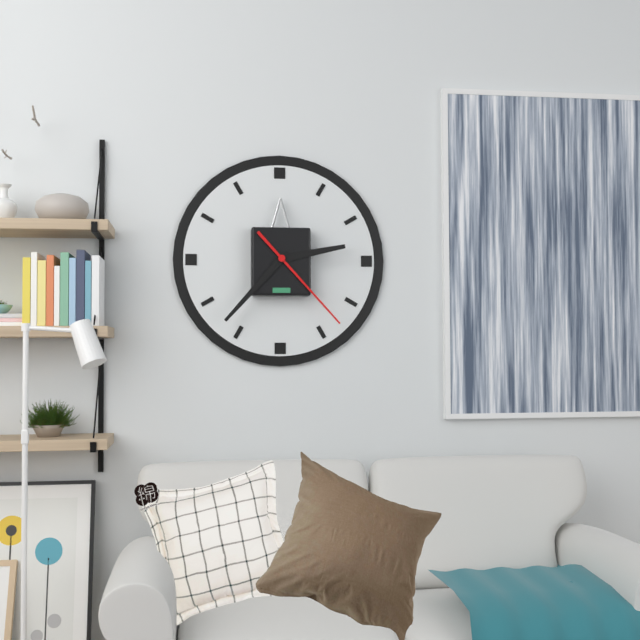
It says h=2 m=37 s=23
